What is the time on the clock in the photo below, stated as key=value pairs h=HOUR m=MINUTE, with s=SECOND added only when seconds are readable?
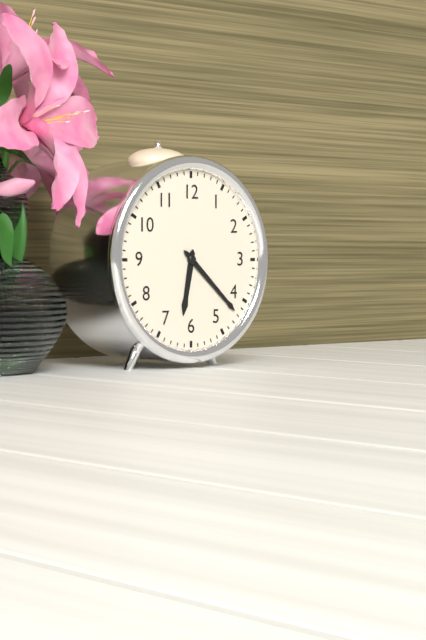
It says h=6 m=22
